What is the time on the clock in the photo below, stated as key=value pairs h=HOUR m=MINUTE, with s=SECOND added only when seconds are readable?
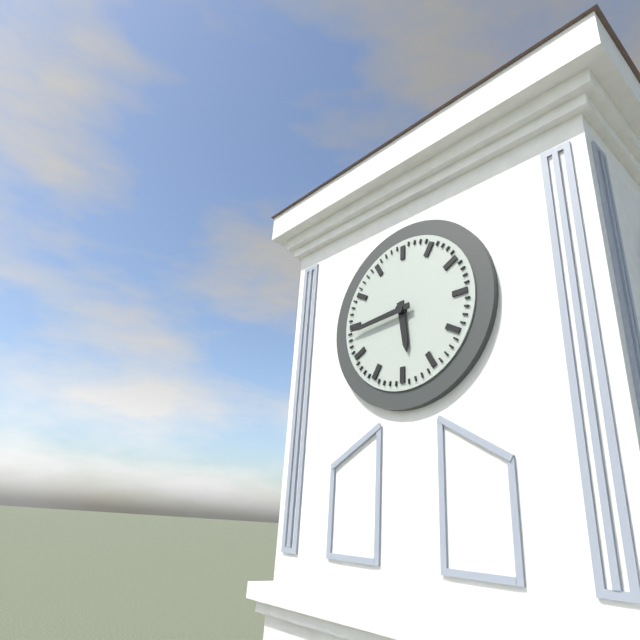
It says h=5 m=44
